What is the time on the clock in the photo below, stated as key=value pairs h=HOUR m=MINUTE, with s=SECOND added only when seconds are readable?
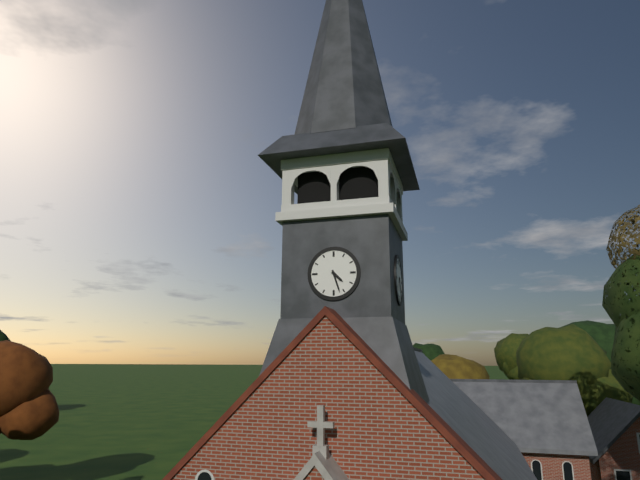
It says h=4 m=27
